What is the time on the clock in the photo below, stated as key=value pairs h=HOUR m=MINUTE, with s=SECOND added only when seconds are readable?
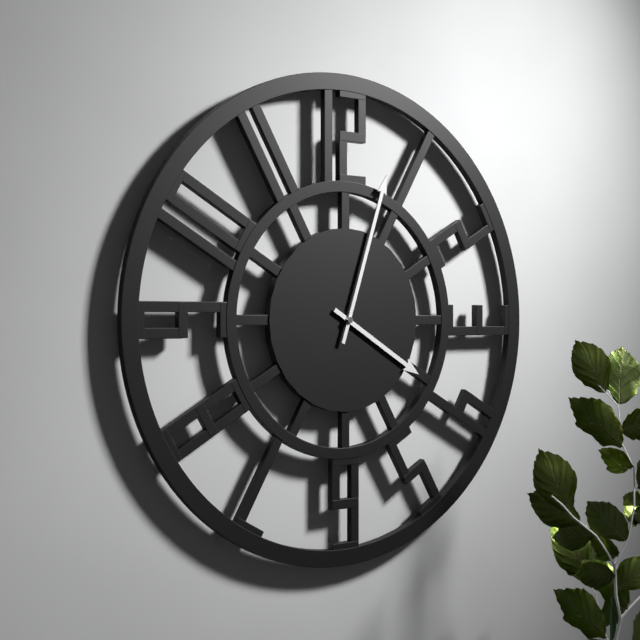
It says h=4 m=3
